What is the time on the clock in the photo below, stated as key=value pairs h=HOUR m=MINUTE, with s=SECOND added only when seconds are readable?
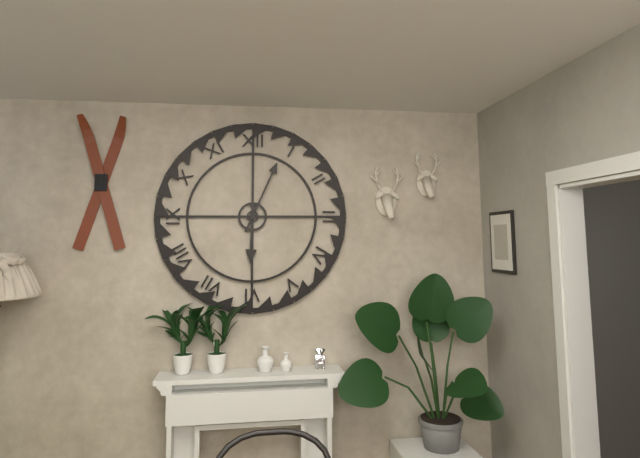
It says h=6 m=4
